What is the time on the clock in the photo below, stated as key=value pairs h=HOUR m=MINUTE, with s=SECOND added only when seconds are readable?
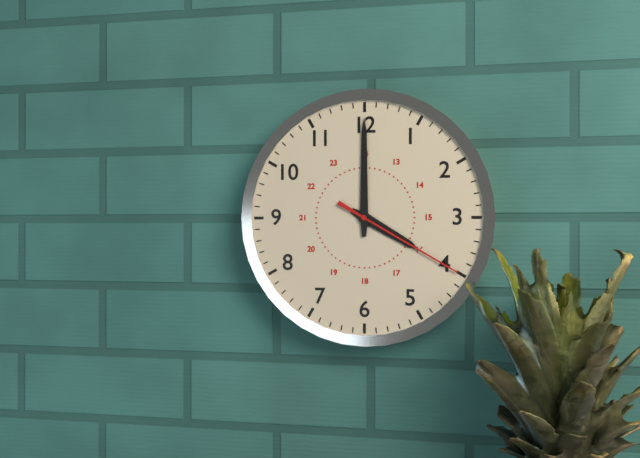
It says h=4 m=0 s=20
